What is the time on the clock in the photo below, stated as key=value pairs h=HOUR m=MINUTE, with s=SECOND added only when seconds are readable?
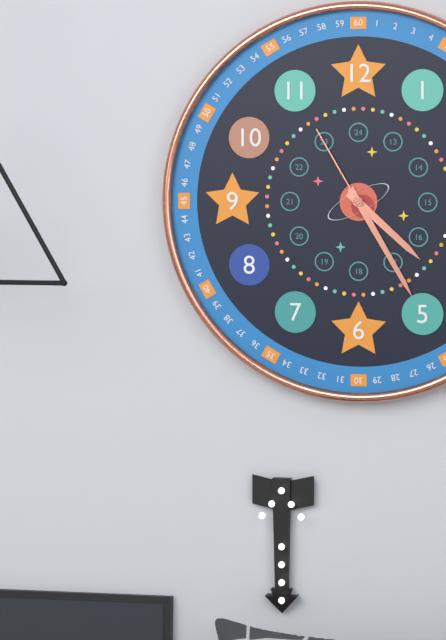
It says h=4 m=25 s=55
